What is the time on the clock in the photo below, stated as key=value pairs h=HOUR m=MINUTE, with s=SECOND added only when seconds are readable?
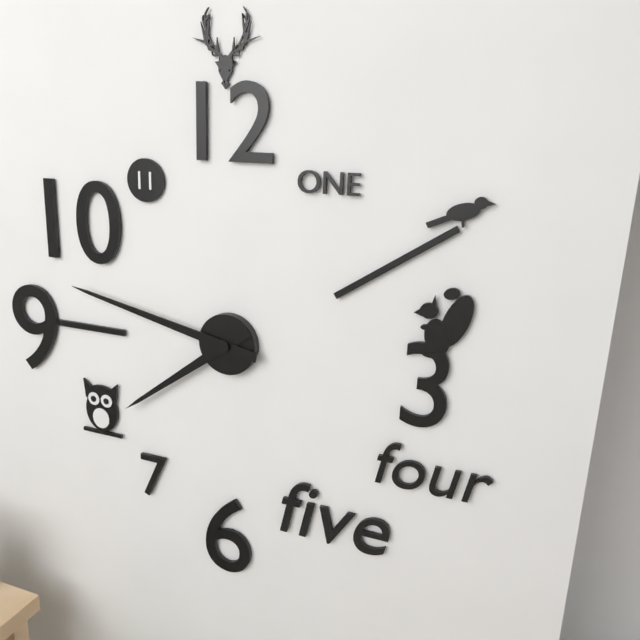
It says h=7 m=47
